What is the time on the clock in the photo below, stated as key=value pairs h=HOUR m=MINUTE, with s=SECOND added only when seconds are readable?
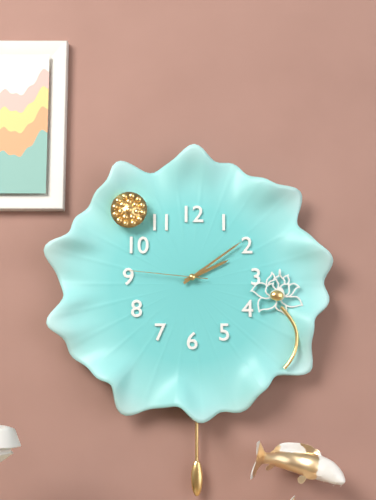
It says h=2 m=9 s=46
